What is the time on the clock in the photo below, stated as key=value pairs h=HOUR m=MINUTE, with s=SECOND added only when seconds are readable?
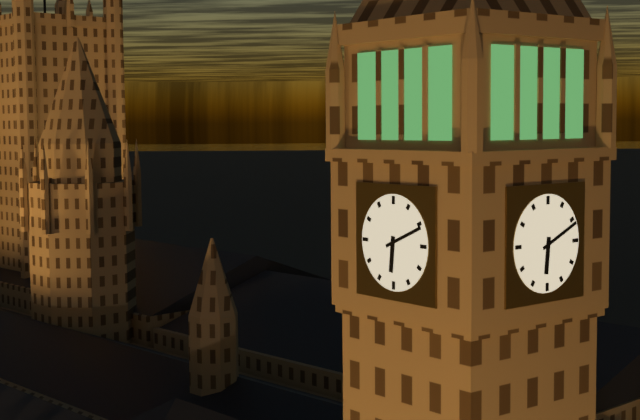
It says h=6 m=11
